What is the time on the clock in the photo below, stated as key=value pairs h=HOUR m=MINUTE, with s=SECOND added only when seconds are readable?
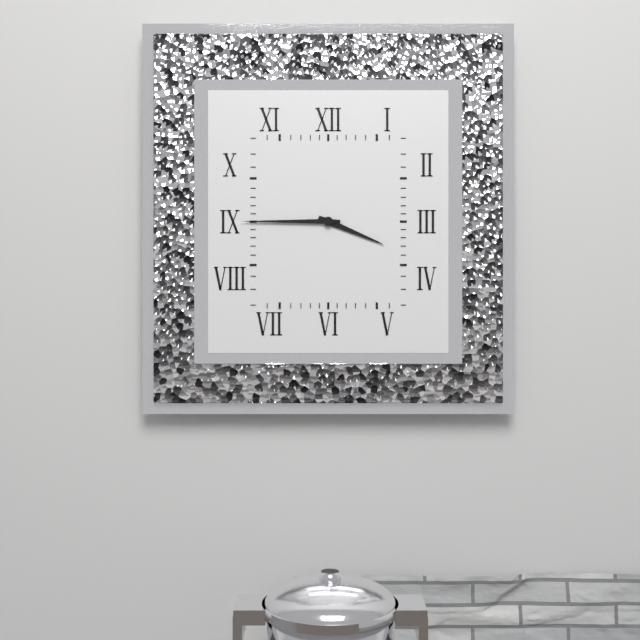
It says h=3 m=45
